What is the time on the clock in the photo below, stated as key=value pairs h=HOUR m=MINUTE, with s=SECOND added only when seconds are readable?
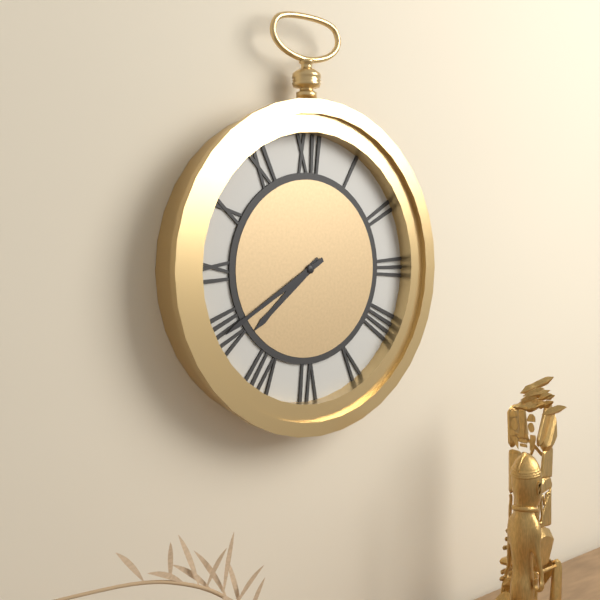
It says h=7 m=40
